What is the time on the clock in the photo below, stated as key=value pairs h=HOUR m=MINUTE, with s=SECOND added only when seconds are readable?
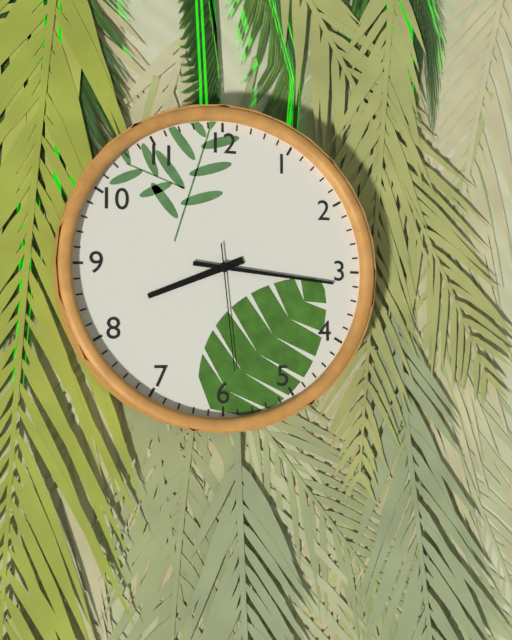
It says h=8 m=16 s=29
